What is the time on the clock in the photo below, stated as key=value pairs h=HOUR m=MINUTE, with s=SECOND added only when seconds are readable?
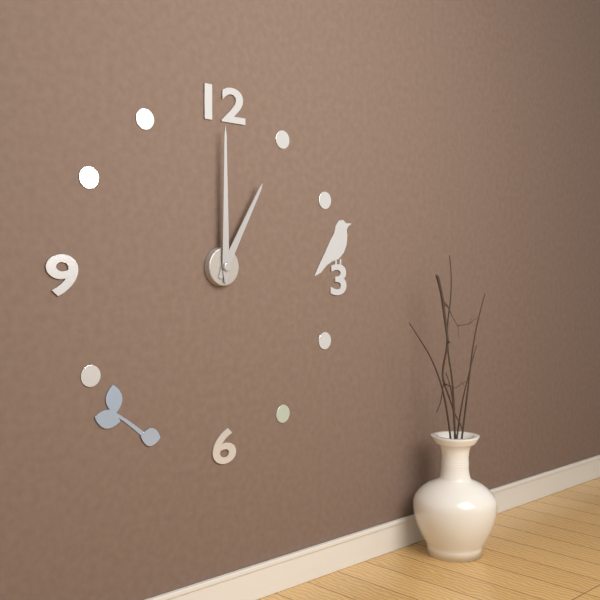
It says h=1 m=0
